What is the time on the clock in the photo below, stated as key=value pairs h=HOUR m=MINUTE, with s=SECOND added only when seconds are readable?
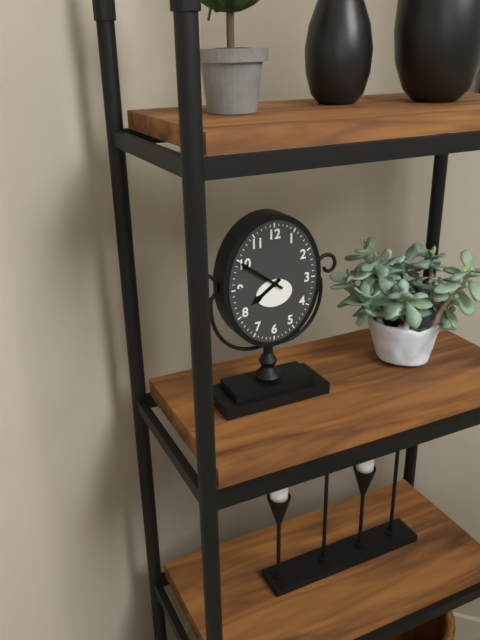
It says h=7 m=51
